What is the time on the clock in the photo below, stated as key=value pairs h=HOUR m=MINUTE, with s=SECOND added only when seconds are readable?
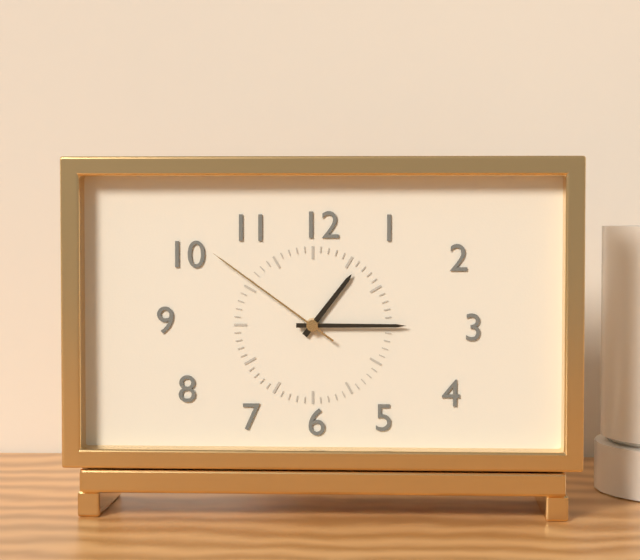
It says h=1 m=15 s=51
